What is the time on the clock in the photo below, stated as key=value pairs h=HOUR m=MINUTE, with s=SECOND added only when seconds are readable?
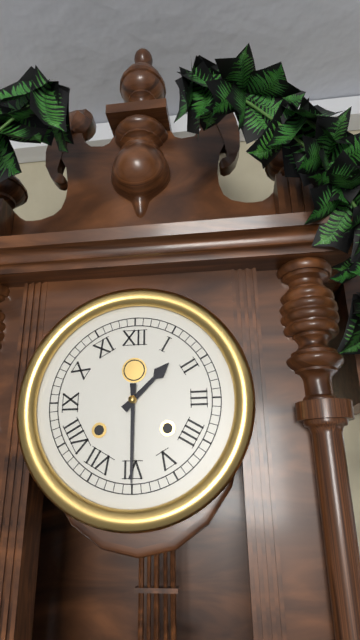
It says h=1 m=30
